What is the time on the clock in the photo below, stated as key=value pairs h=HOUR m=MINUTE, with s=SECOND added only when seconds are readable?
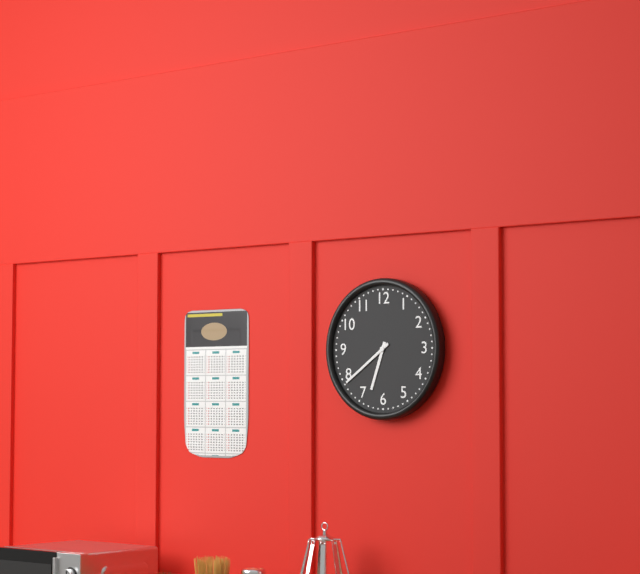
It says h=6 m=39
